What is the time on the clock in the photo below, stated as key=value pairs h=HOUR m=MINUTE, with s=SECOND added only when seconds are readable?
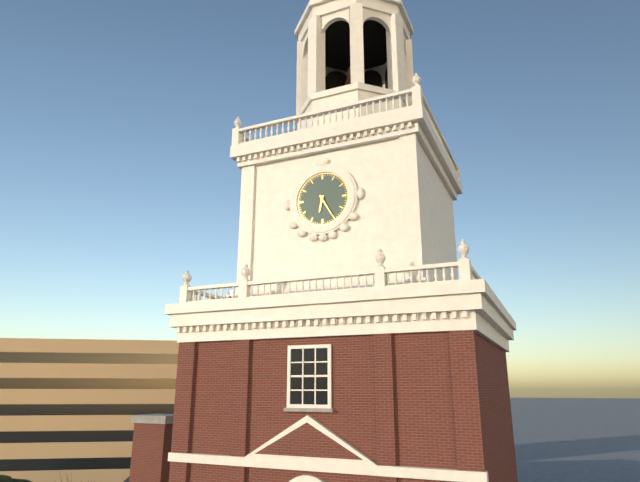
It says h=6 m=25
